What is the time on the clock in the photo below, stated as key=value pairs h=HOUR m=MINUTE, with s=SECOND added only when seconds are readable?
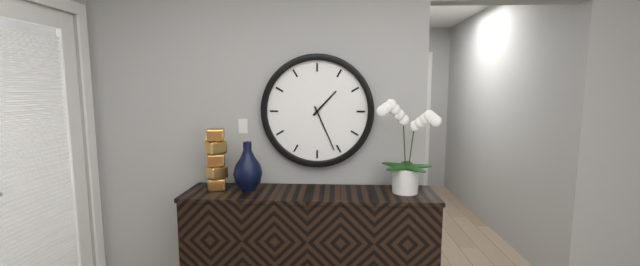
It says h=1 m=26
